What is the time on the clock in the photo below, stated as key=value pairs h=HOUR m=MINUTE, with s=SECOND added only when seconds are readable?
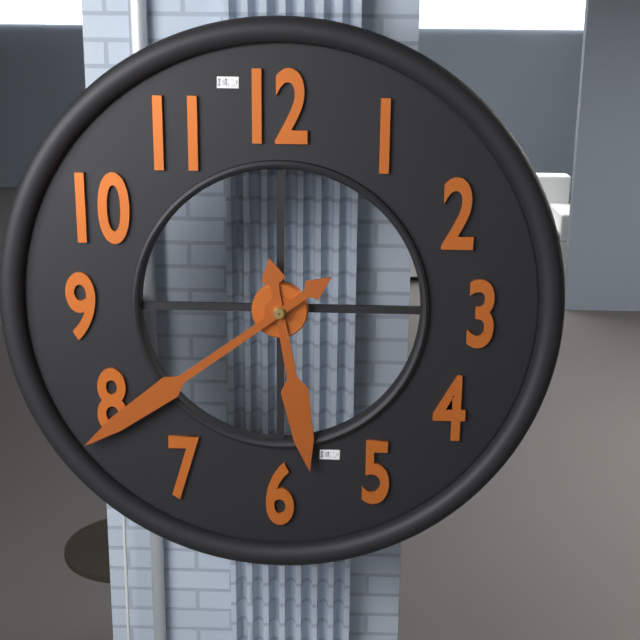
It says h=5 m=39
